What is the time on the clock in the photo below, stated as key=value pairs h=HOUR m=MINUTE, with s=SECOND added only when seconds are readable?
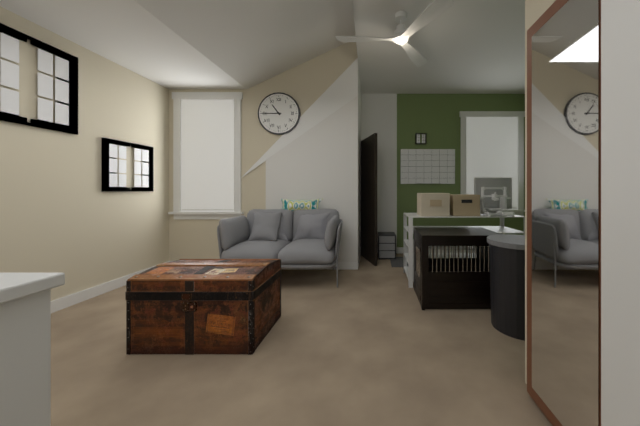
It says h=10 m=45
